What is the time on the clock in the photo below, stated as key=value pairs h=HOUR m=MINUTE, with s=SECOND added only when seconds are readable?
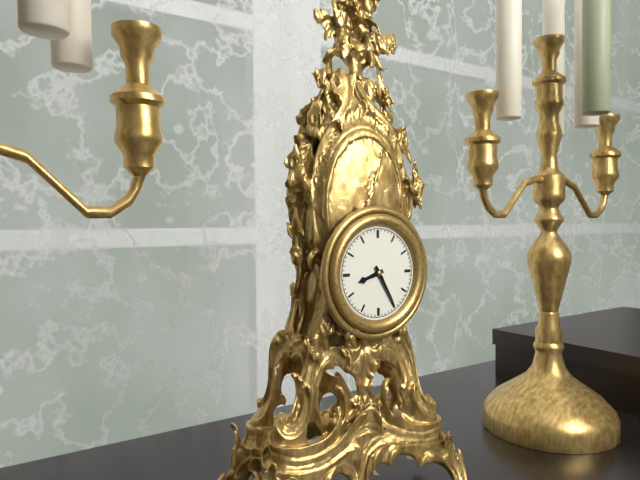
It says h=8 m=25
